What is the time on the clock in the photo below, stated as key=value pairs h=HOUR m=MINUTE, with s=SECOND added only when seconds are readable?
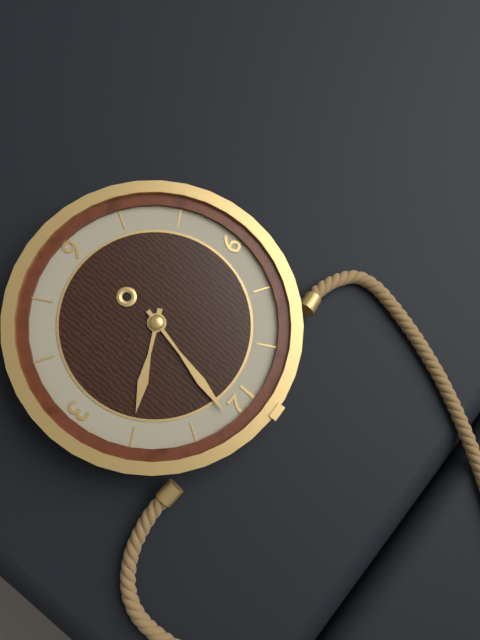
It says h=2 m=2
